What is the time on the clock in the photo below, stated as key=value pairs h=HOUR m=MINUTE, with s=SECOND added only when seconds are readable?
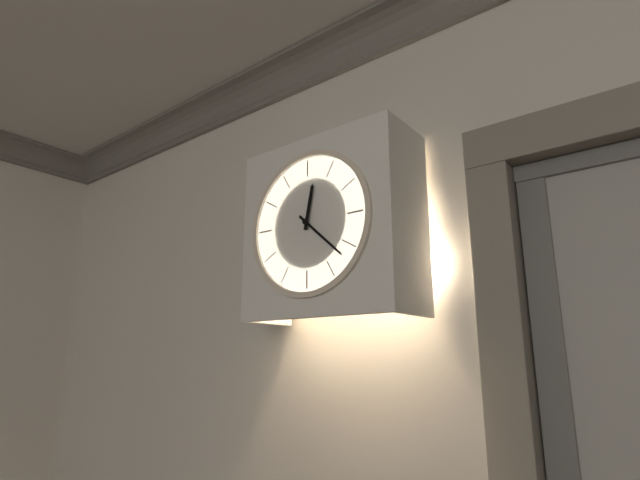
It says h=12 m=22
